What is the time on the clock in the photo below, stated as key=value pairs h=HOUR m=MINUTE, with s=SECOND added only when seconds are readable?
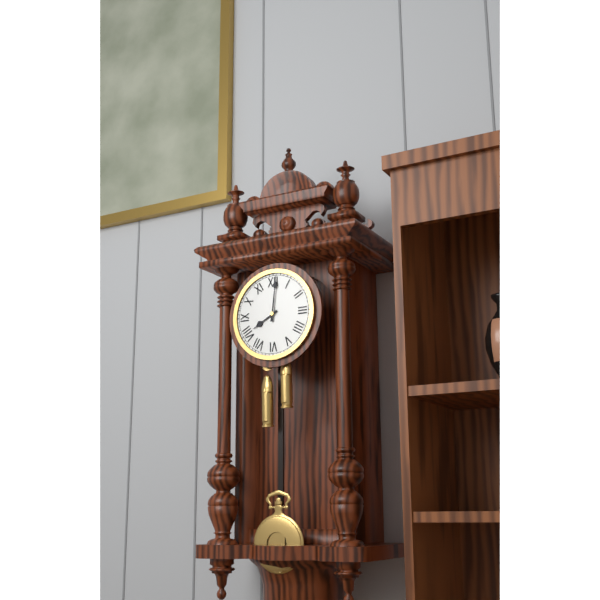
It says h=8 m=1
